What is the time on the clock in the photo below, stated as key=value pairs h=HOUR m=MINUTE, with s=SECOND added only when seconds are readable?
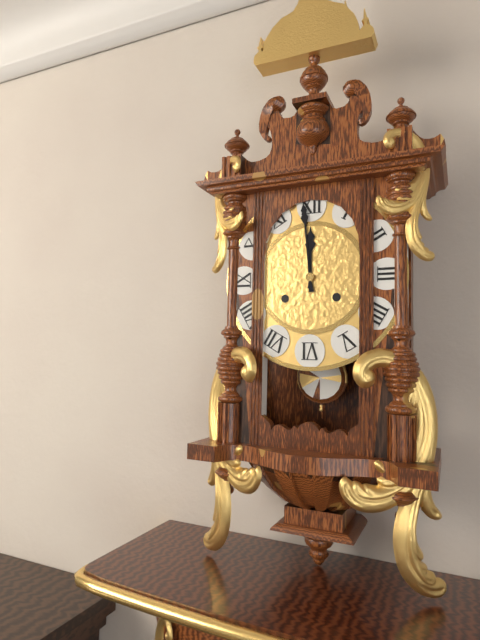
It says h=11 m=59
